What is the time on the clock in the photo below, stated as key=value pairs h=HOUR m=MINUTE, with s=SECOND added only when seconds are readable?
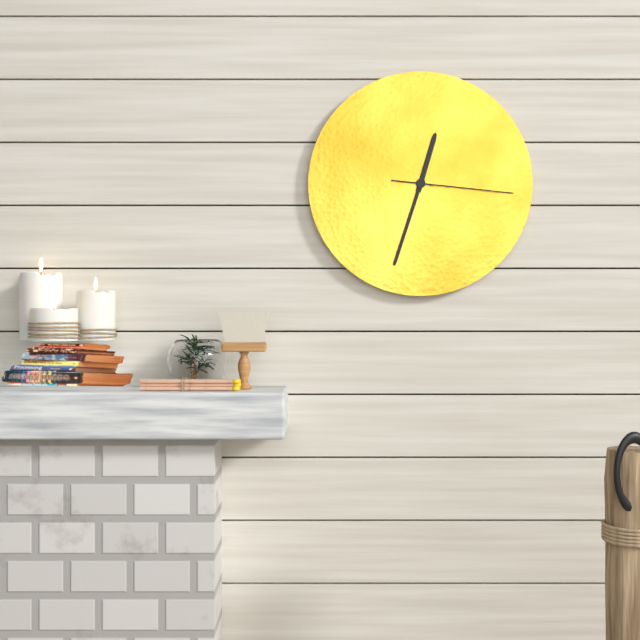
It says h=12 m=33 s=16
